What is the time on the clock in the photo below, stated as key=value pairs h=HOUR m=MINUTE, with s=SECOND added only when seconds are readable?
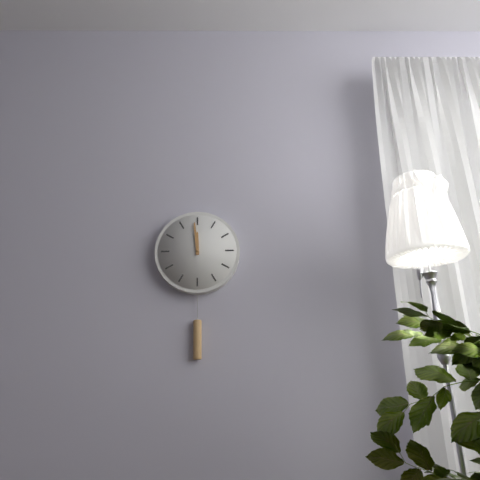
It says h=11 m=59
